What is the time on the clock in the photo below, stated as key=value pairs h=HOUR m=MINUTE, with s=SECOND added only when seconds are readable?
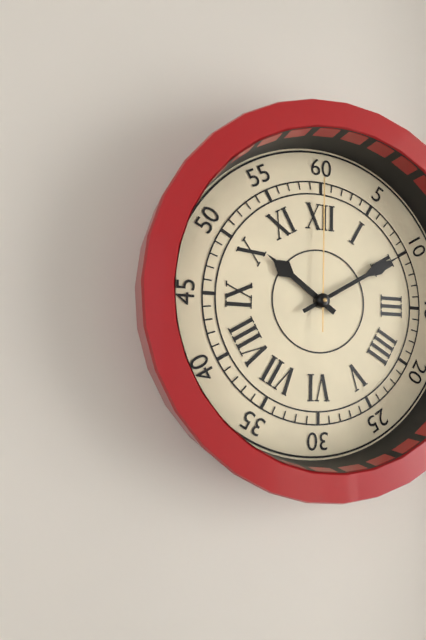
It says h=10 m=10 s=0
